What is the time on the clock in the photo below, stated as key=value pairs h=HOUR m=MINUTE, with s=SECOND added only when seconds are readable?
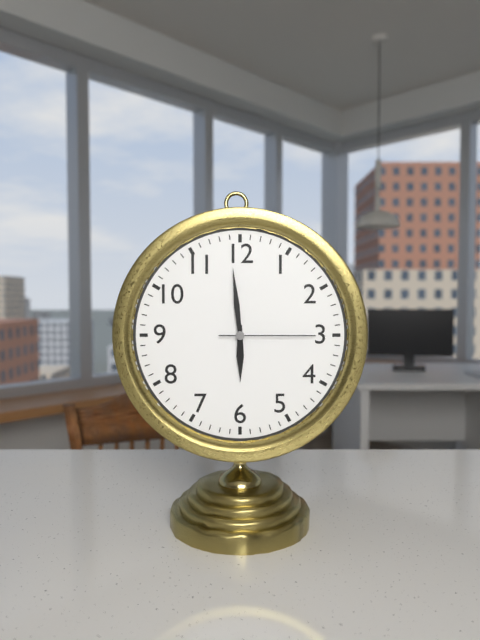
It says h=5 m=59 s=15
